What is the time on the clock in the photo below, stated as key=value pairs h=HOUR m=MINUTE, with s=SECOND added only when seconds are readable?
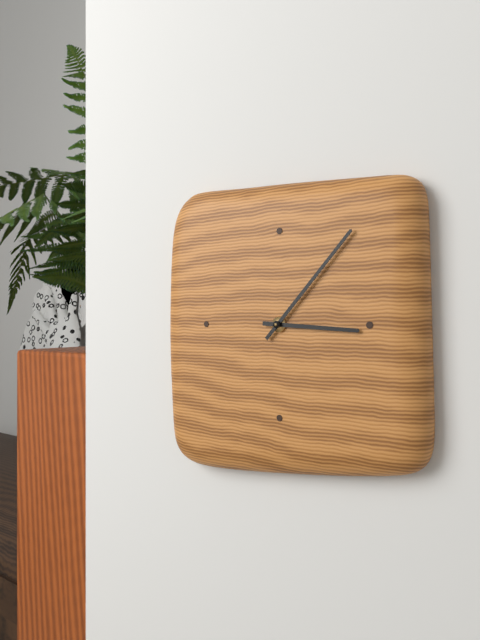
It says h=3 m=7
